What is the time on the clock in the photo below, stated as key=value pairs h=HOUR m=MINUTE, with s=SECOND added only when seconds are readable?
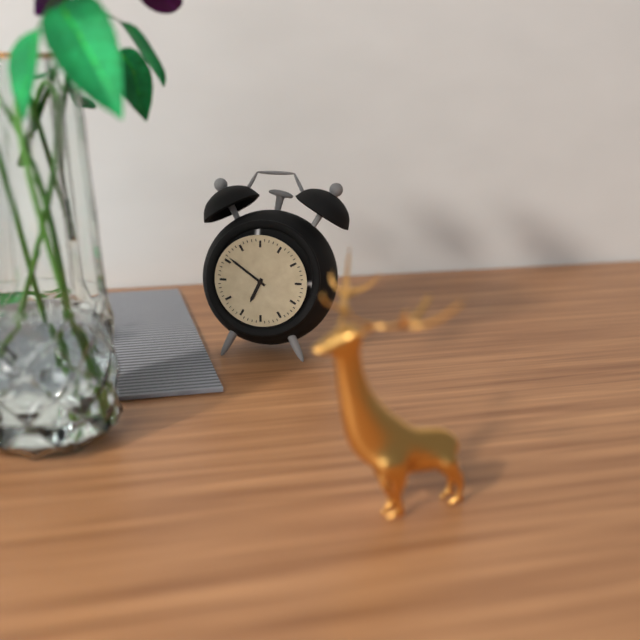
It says h=6 m=51
